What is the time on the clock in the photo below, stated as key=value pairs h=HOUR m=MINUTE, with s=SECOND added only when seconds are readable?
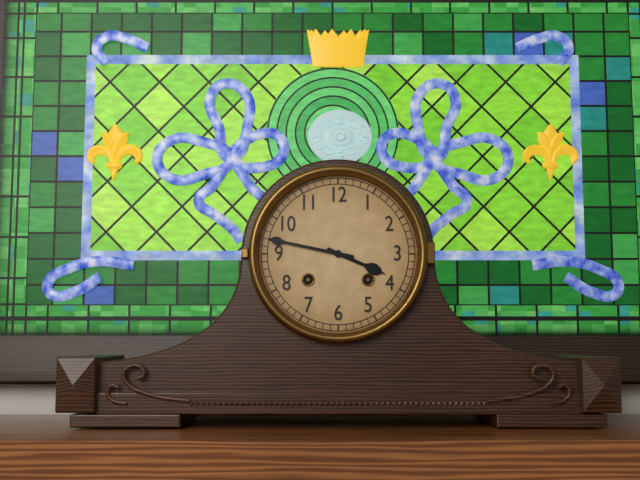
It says h=3 m=47
